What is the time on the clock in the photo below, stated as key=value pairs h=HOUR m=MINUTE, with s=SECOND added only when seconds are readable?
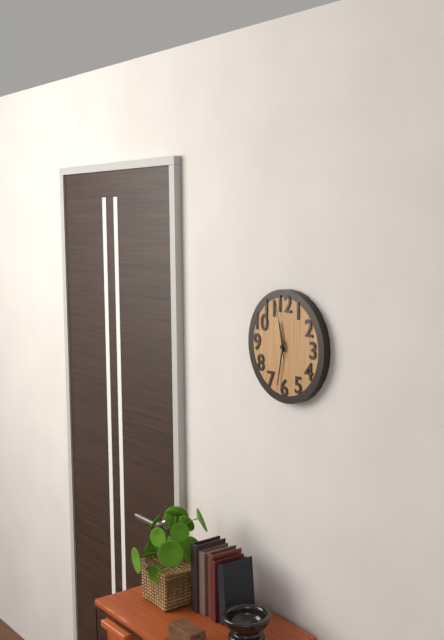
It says h=11 m=32 s=58
